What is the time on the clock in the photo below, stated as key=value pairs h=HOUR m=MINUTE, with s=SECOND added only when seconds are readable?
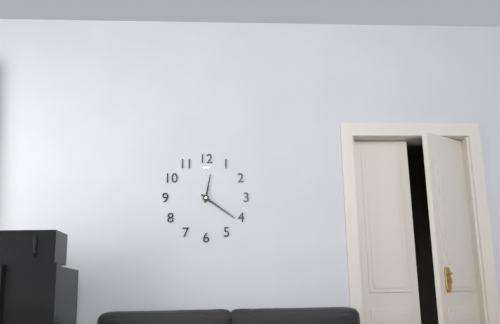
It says h=12 m=21
